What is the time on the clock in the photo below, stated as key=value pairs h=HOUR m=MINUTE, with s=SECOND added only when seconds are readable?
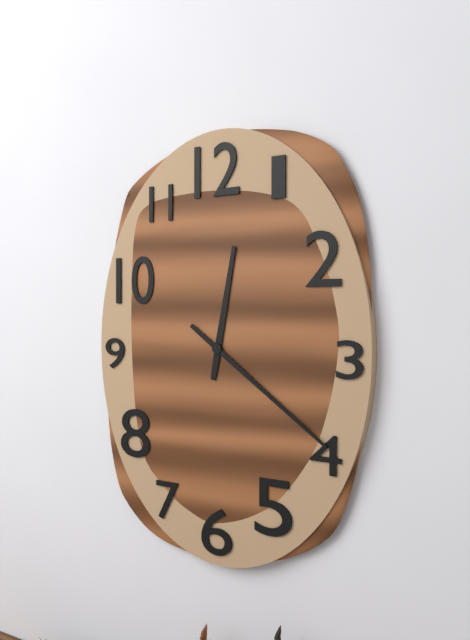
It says h=12 m=21
